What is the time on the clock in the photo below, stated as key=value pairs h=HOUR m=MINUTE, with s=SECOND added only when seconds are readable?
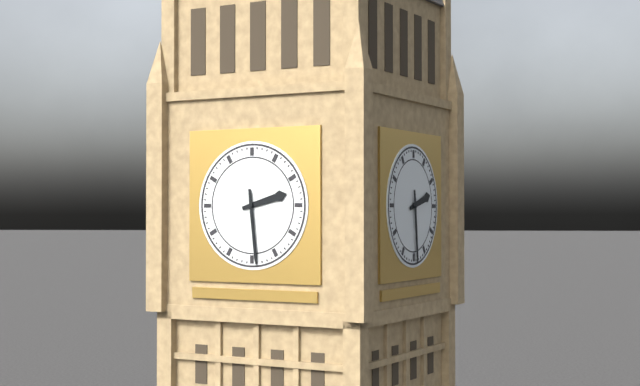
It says h=2 m=29
